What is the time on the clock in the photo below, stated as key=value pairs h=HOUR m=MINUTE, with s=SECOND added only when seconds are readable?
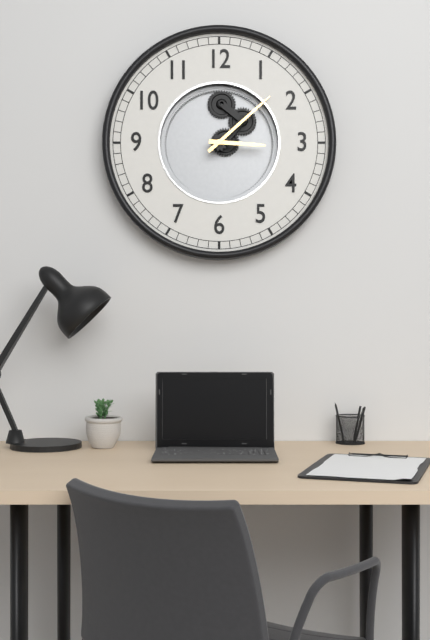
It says h=3 m=8
